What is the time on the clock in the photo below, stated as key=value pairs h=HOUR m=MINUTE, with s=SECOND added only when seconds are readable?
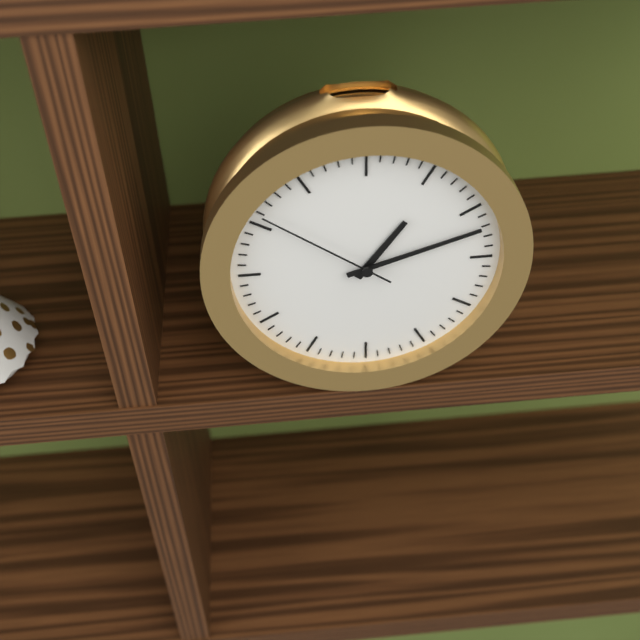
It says h=1 m=12 s=51
